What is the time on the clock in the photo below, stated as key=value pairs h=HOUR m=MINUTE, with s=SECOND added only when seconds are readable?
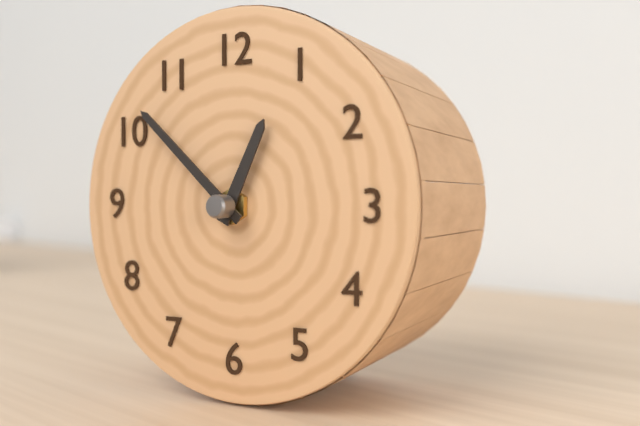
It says h=12 m=52
